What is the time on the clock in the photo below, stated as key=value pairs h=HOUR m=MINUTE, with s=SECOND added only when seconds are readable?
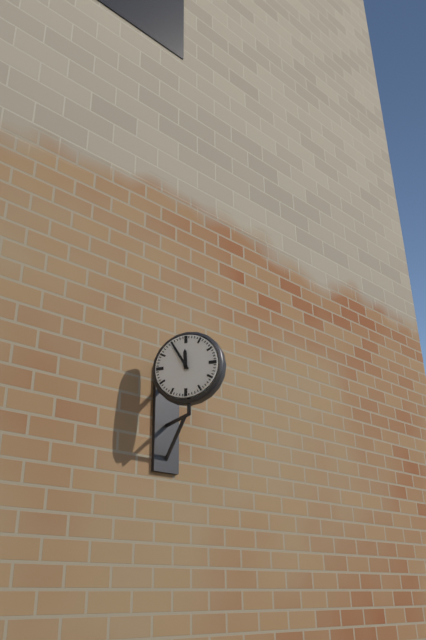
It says h=11 m=55
